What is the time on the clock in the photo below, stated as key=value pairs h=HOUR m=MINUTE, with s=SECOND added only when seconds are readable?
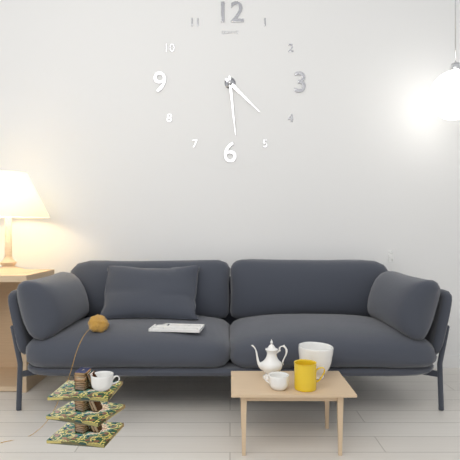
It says h=4 m=29
